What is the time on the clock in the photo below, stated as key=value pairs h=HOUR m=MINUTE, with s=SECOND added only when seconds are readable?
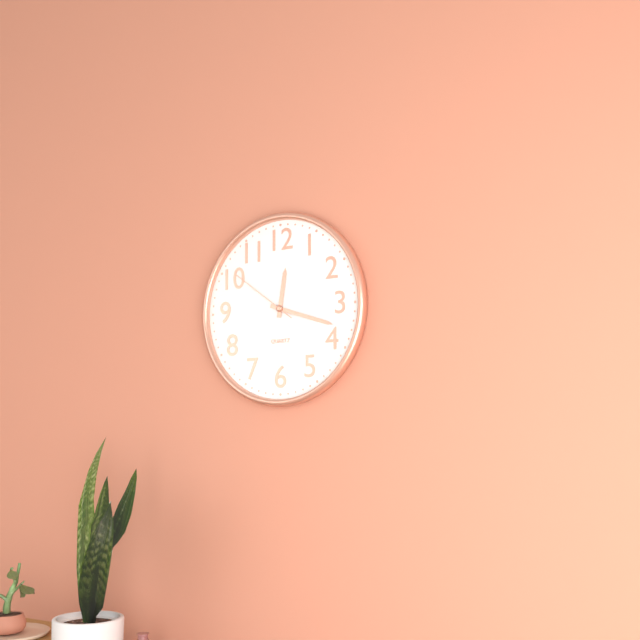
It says h=12 m=18 s=51
